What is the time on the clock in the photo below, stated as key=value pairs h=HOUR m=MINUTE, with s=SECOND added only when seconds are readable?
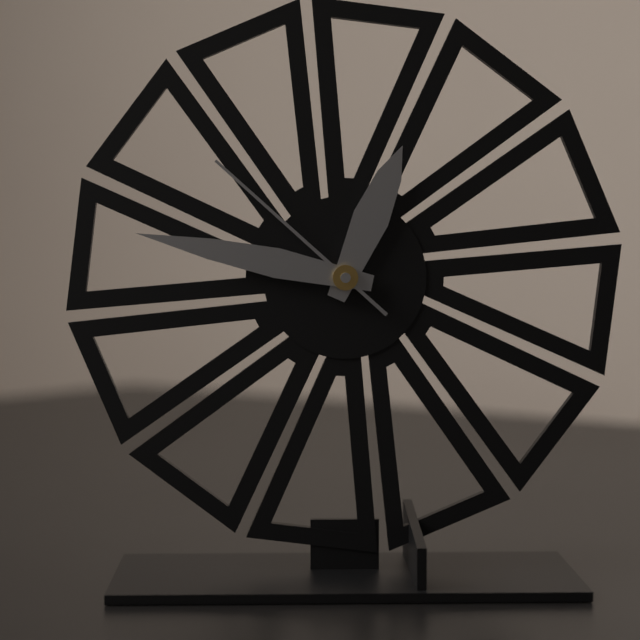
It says h=12 m=47 s=52
